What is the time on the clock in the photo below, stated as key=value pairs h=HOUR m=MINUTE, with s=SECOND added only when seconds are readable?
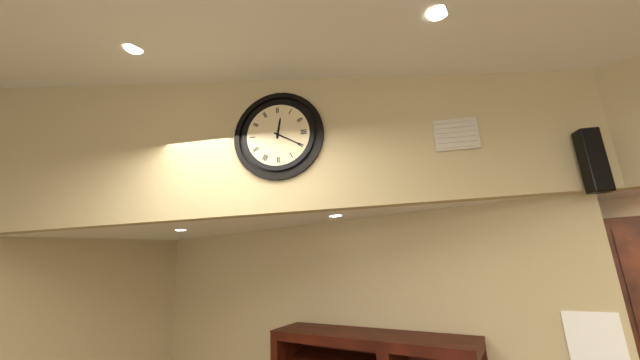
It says h=12 m=20
